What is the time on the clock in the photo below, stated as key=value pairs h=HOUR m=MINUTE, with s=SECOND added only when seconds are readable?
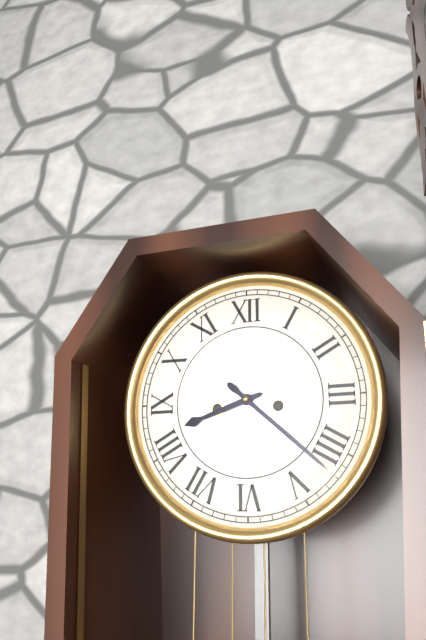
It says h=8 m=22
